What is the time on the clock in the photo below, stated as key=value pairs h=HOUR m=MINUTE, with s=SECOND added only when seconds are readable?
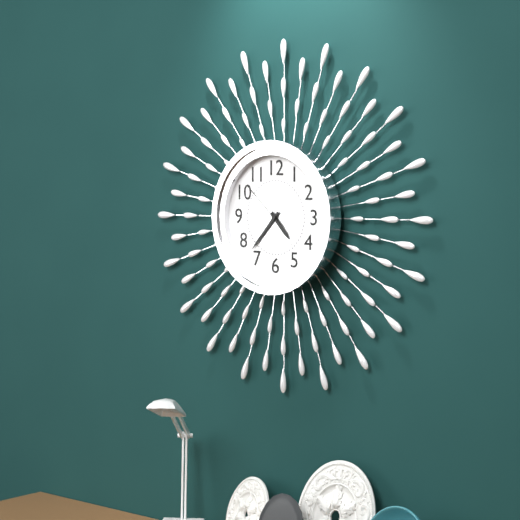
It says h=4 m=37 s=52
